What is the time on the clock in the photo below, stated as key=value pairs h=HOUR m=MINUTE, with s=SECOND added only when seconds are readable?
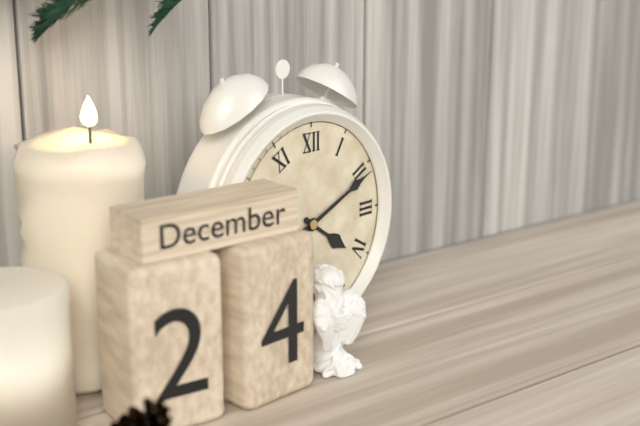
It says h=4 m=11
